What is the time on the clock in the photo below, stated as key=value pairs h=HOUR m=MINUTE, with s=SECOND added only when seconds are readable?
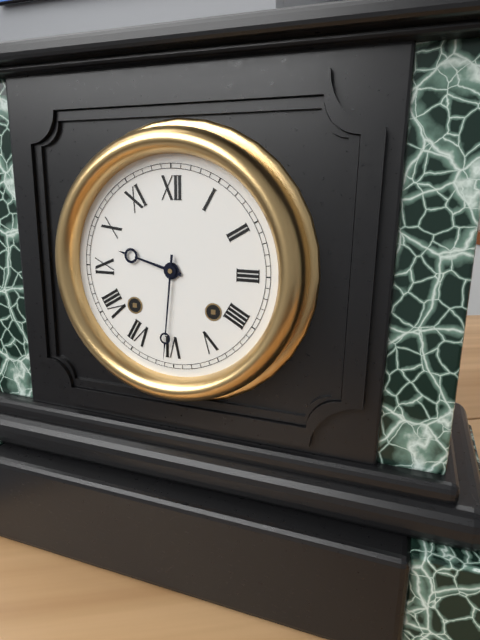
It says h=9 m=31
